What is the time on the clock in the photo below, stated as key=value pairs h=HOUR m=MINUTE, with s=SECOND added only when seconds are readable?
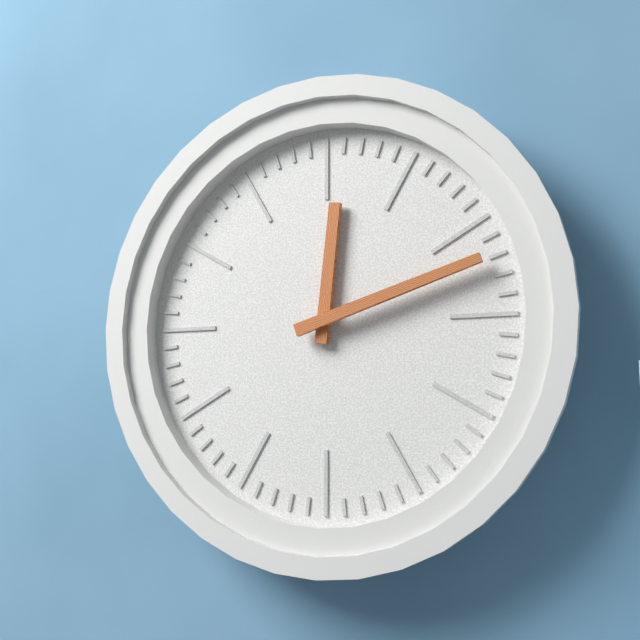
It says h=12 m=12
